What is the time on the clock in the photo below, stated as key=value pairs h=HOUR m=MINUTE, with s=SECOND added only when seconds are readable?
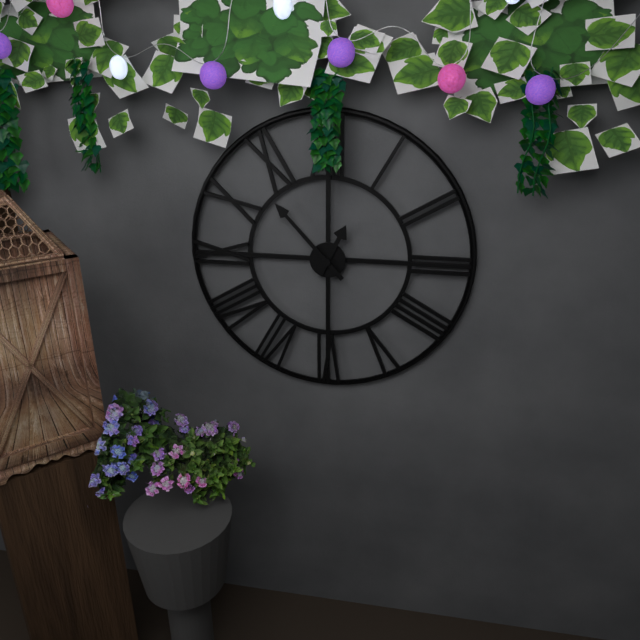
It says h=12 m=53
